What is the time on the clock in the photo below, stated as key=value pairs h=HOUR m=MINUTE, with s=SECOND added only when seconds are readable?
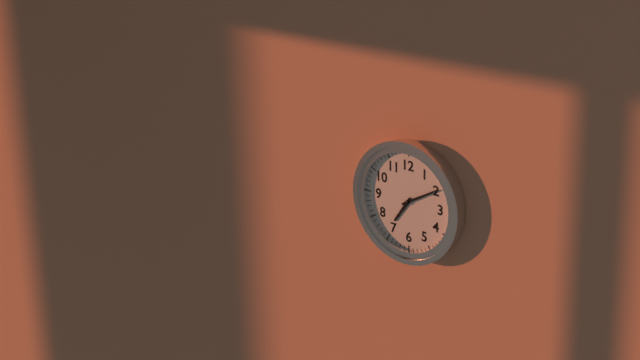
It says h=7 m=10
